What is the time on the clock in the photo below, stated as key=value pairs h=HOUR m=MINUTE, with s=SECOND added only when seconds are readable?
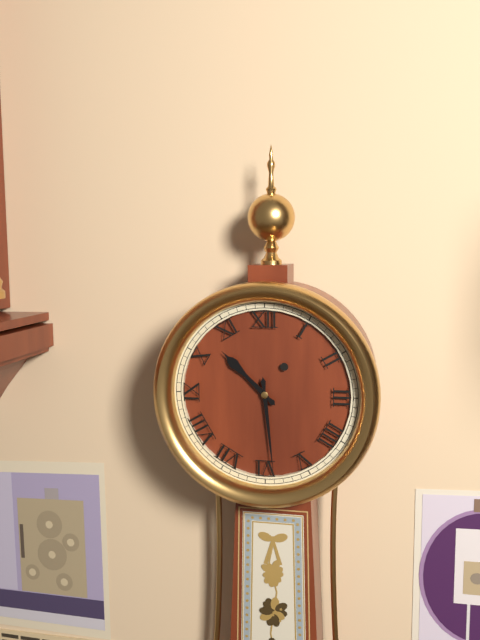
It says h=10 m=29
